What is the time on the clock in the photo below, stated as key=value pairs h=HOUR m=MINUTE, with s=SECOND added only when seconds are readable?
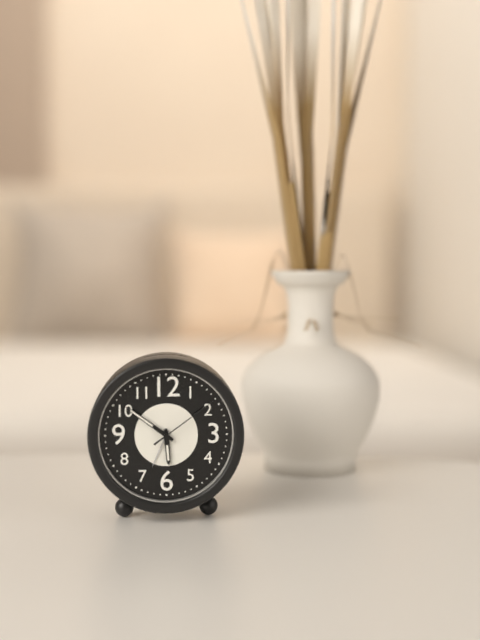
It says h=5 m=51 s=9
